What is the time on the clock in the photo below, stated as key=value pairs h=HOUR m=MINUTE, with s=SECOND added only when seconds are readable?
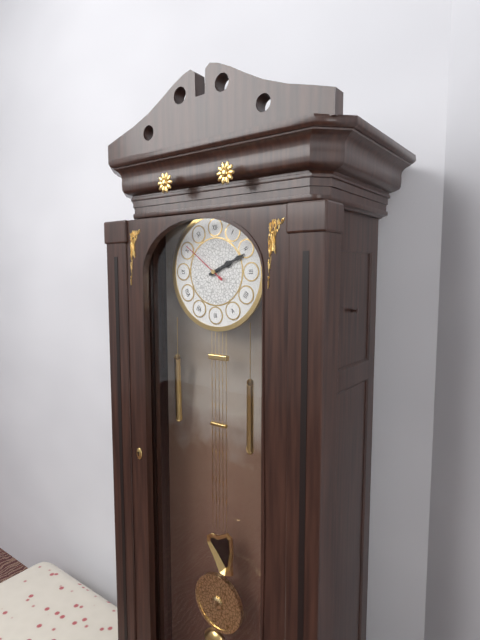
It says h=2 m=11
